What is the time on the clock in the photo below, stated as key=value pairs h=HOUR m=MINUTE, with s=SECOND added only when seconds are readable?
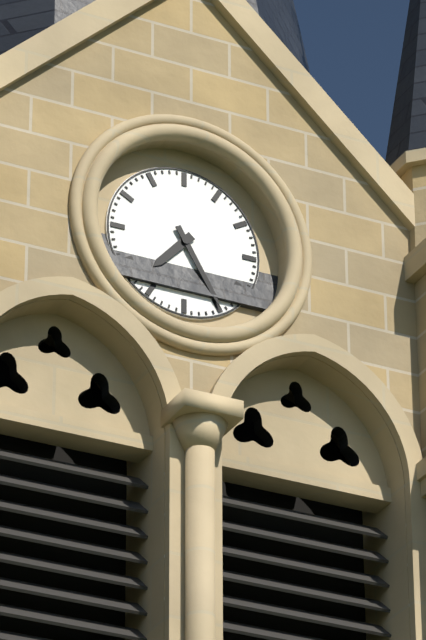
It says h=7 m=25
